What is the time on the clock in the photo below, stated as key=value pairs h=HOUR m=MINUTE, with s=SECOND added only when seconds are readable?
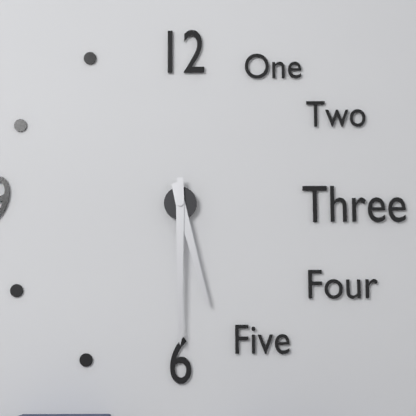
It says h=5 m=30
